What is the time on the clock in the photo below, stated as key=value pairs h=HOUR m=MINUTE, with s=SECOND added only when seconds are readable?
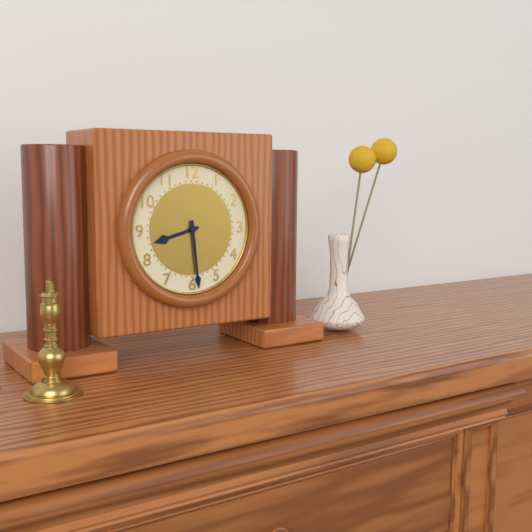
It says h=8 m=29
